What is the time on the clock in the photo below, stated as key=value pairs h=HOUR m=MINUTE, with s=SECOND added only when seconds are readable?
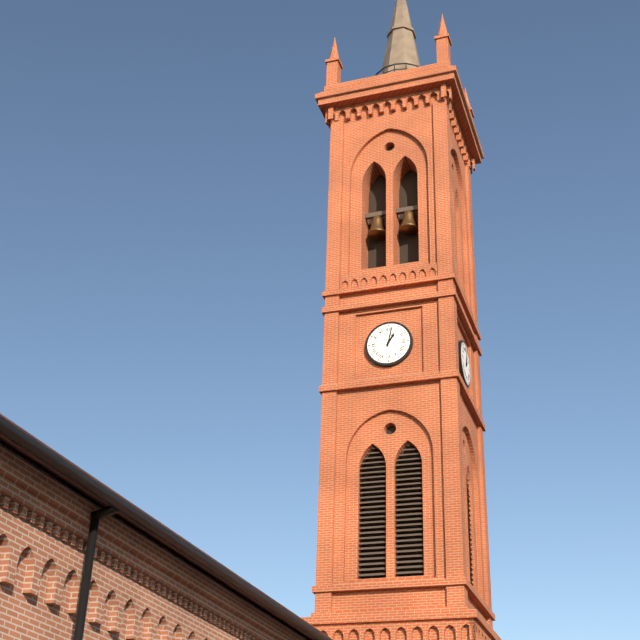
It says h=1 m=2
